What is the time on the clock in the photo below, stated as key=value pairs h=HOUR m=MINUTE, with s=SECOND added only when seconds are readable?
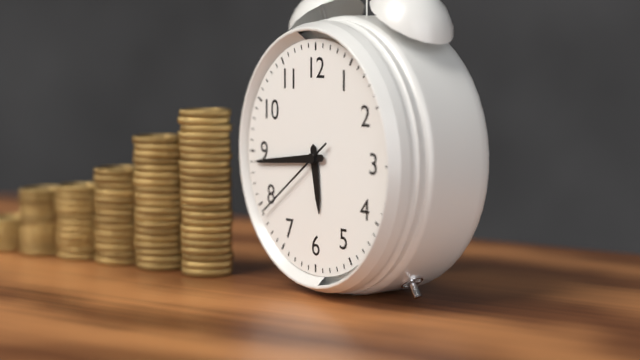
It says h=5 m=44 s=39
